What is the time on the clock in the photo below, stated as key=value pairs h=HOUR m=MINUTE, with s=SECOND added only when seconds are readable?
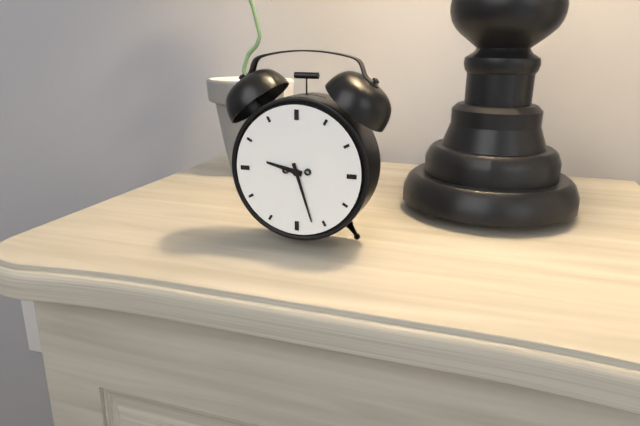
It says h=9 m=27
